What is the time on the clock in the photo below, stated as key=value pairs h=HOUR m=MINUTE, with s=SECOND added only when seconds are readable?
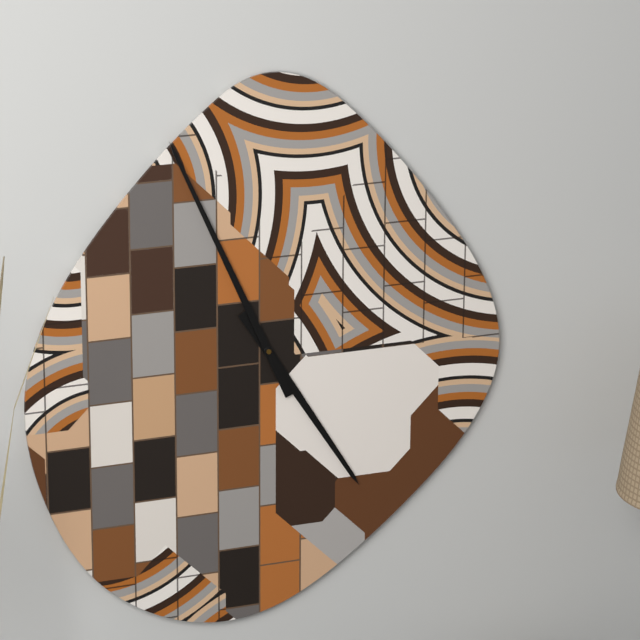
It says h=4 m=56
